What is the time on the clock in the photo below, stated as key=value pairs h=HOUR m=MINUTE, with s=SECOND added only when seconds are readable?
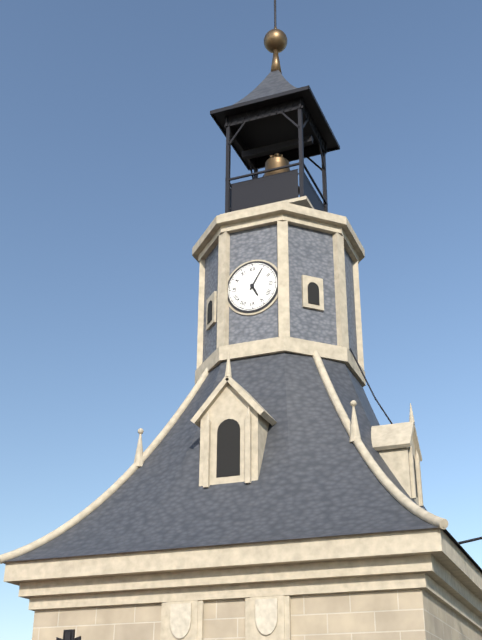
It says h=5 m=5
